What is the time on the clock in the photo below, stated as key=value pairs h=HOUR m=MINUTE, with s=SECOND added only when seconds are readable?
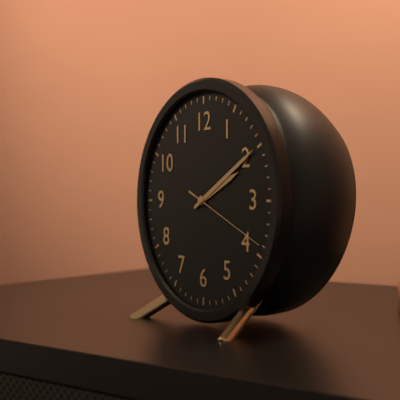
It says h=2 m=10 s=19
